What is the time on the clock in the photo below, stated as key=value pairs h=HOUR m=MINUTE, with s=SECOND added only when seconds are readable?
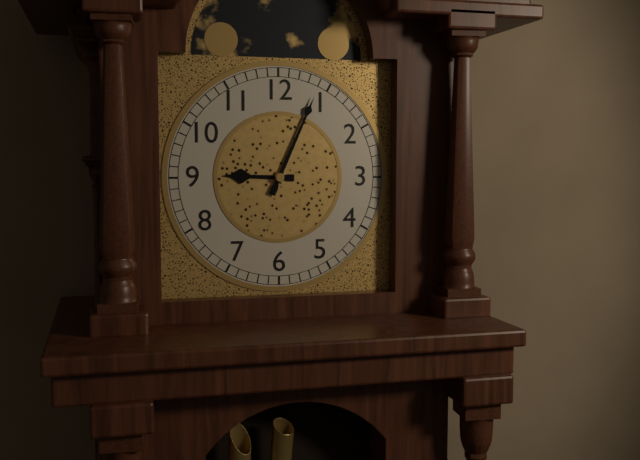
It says h=9 m=4
